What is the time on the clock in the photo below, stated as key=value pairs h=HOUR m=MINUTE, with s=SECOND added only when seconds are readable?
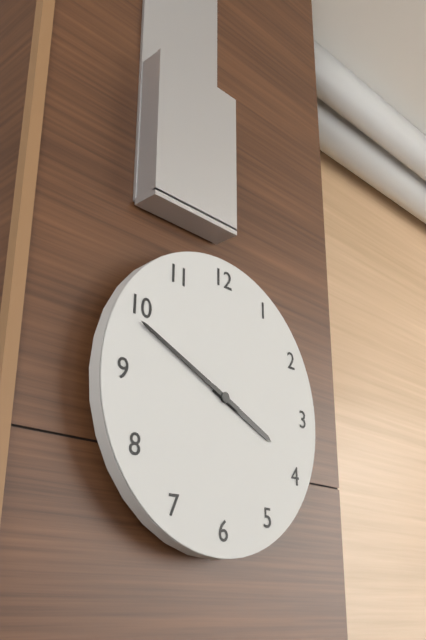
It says h=3 m=49
